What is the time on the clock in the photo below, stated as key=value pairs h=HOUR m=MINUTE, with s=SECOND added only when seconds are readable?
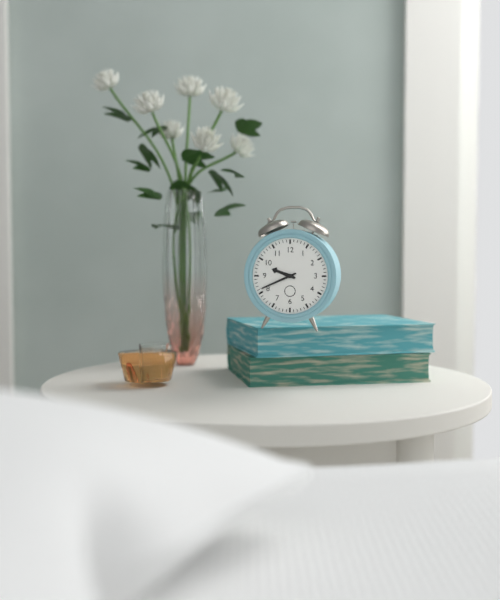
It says h=9 m=41
